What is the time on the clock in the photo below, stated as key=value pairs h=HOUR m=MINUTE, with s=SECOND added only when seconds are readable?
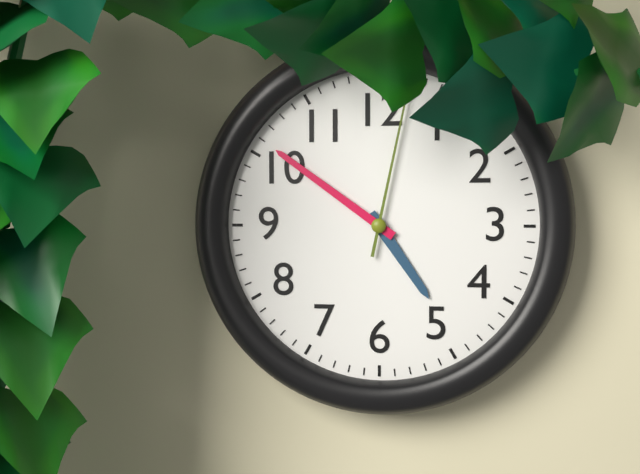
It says h=4 m=51 s=2
